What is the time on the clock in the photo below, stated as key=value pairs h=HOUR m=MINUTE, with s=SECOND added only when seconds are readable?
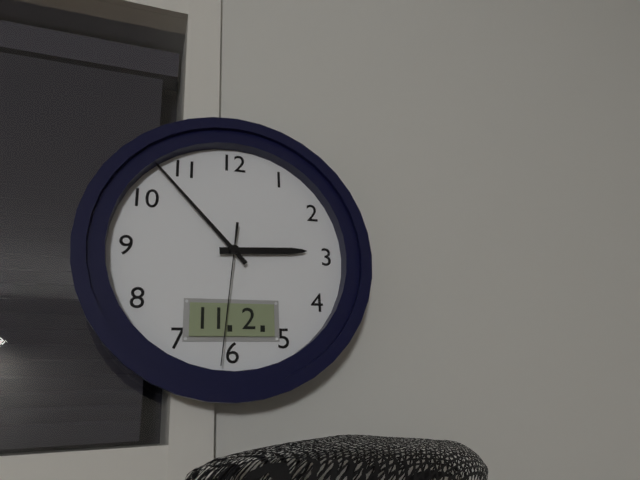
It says h=2 m=53 s=31
